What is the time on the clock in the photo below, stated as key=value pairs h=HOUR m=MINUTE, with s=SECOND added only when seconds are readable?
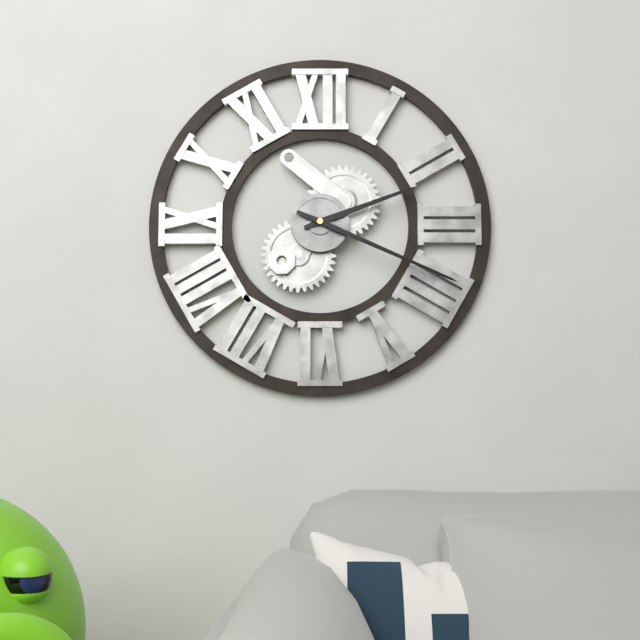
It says h=2 m=19
